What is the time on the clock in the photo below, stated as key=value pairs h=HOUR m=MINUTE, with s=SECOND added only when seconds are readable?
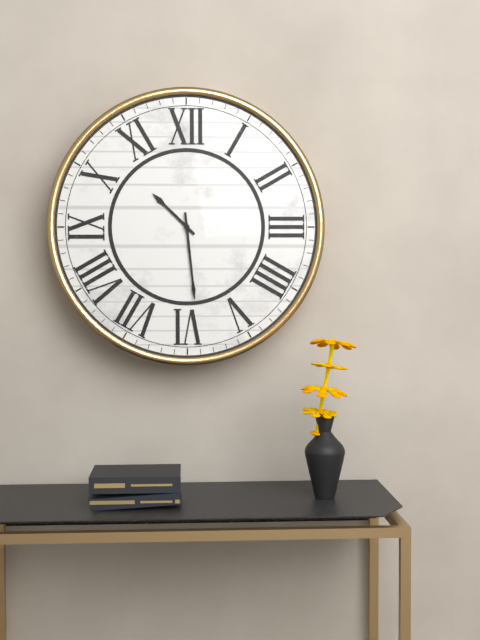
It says h=10 m=29
